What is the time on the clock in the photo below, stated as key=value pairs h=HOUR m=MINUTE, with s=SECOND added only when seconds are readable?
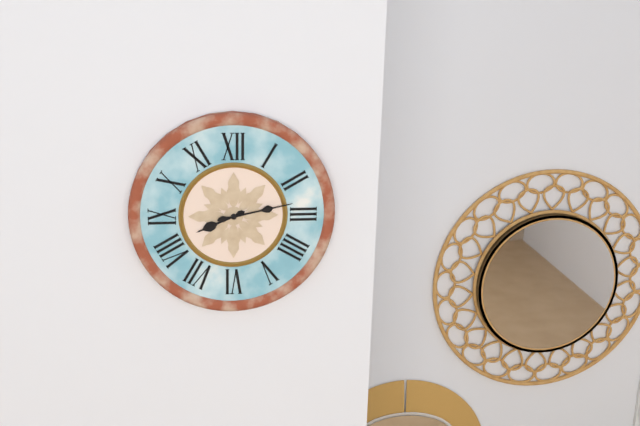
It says h=8 m=13
